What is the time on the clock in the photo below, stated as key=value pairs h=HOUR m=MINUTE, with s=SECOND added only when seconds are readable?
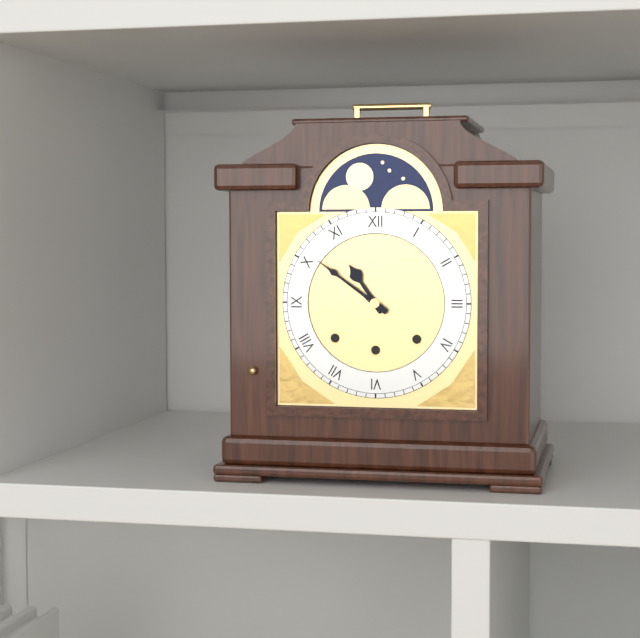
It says h=10 m=51
